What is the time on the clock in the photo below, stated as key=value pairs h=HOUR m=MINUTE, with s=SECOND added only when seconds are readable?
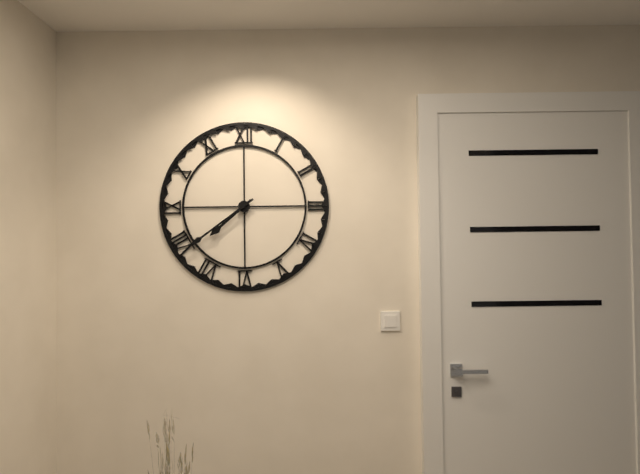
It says h=7 m=39
